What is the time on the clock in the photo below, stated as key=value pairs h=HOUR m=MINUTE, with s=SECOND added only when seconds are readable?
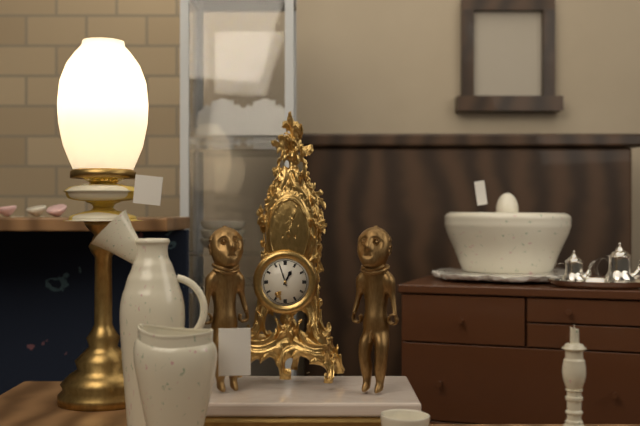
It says h=12 m=57
